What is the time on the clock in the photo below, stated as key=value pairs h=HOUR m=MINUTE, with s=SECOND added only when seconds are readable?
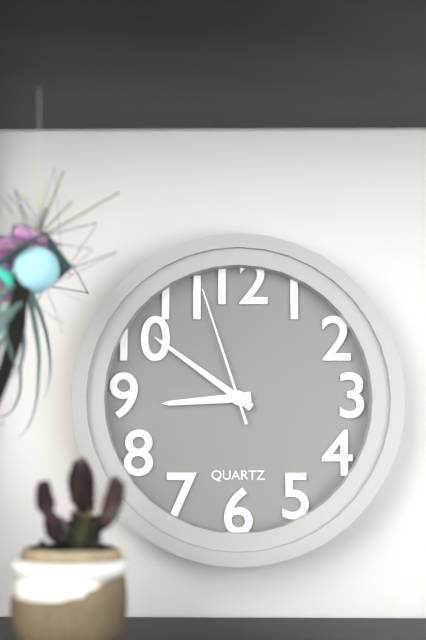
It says h=8 m=51 s=57
